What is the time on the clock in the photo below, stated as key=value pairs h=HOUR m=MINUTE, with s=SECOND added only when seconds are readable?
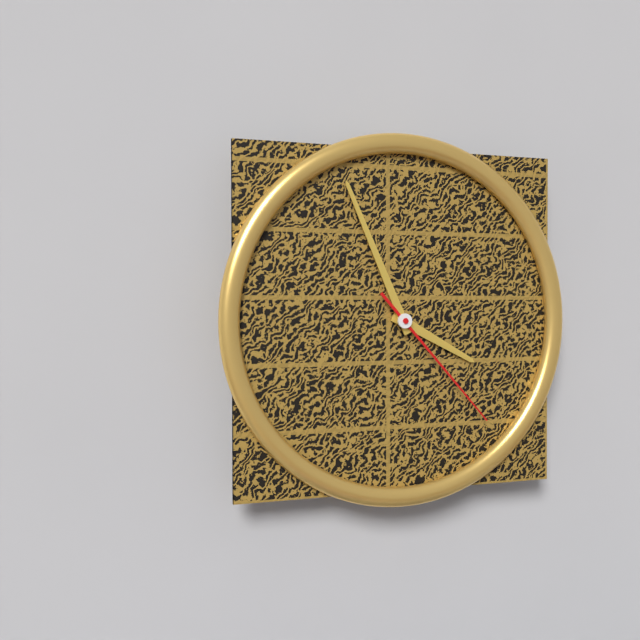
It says h=3 m=56 s=23
